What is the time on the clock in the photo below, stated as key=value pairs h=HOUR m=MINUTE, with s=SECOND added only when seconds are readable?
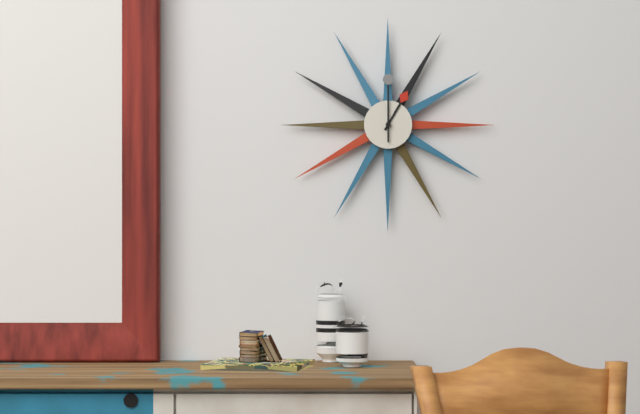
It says h=1 m=0
